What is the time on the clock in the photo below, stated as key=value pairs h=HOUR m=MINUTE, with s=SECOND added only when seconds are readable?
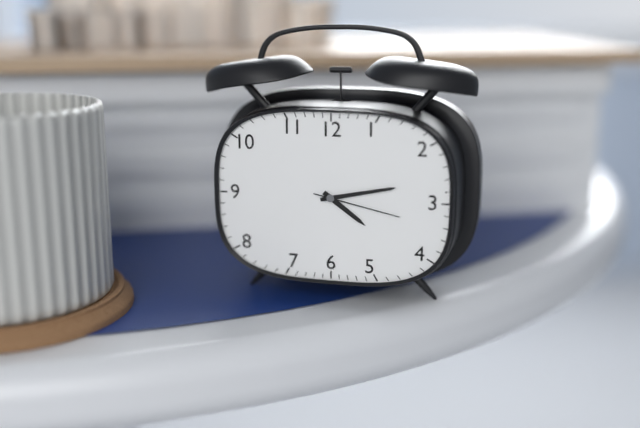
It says h=4 m=13 s=17
